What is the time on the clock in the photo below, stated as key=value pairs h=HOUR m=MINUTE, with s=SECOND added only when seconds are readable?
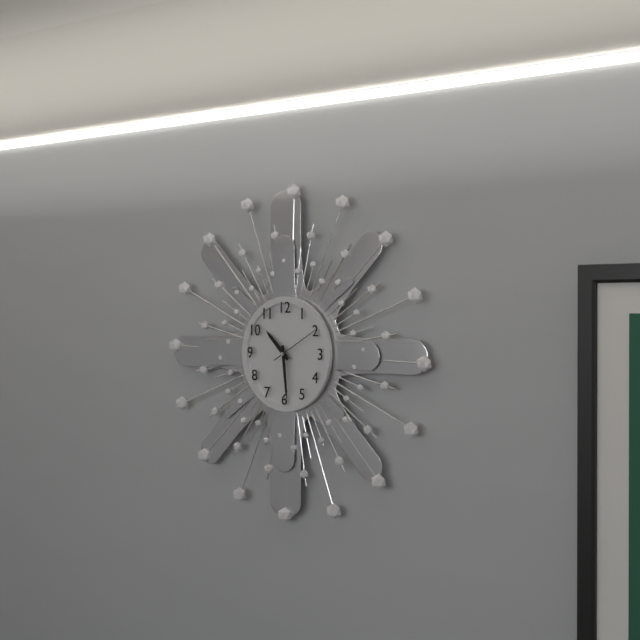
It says h=10 m=29 s=10
